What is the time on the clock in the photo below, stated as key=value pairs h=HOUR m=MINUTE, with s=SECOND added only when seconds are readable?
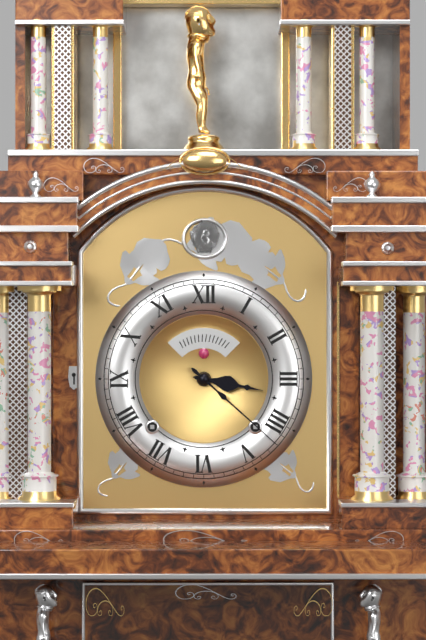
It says h=3 m=22
